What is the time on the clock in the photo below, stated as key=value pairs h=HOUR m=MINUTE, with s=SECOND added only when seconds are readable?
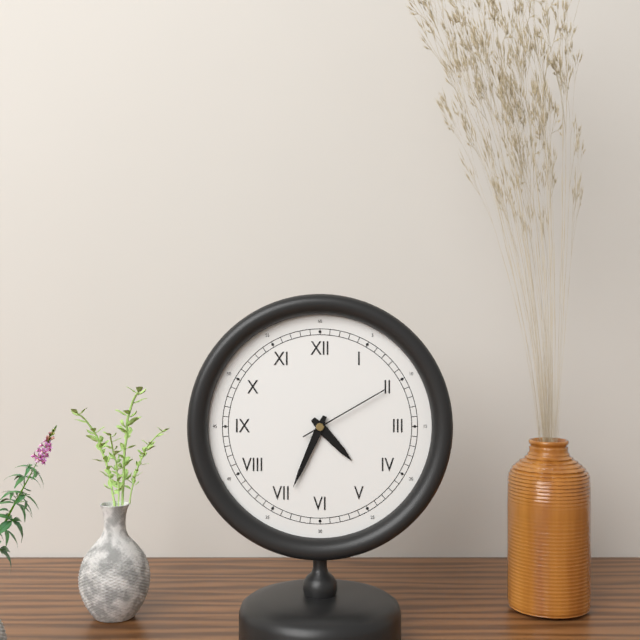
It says h=4 m=34 s=10
